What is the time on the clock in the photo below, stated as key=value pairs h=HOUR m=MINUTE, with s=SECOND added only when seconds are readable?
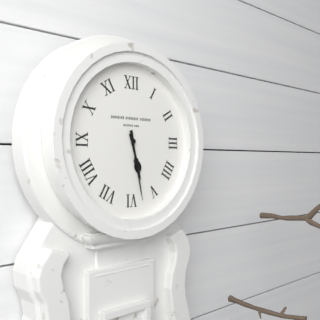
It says h=5 m=28
